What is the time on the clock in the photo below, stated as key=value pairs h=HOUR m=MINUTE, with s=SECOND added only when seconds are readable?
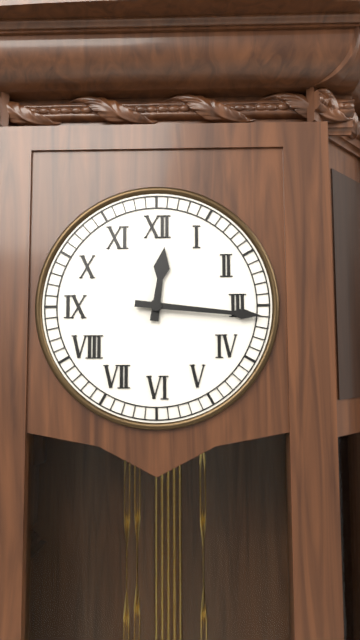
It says h=12 m=16
